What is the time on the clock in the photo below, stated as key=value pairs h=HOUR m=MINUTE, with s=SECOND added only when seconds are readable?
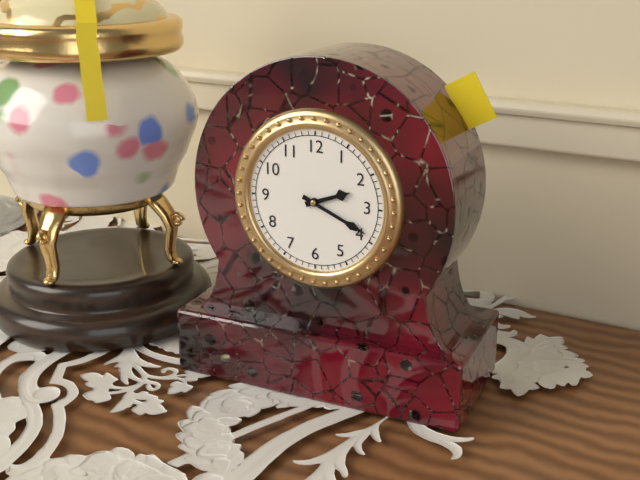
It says h=2 m=19
